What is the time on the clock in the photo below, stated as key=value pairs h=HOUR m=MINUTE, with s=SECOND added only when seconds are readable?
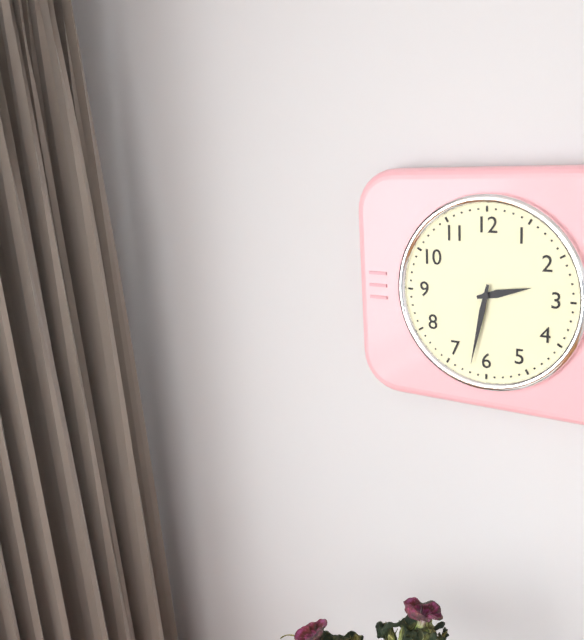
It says h=2 m=32
